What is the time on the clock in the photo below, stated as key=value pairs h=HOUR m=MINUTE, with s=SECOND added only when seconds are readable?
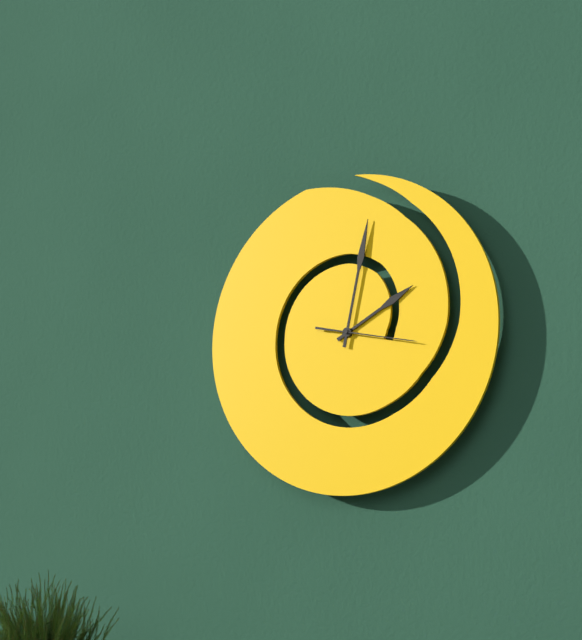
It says h=2 m=2 s=17
